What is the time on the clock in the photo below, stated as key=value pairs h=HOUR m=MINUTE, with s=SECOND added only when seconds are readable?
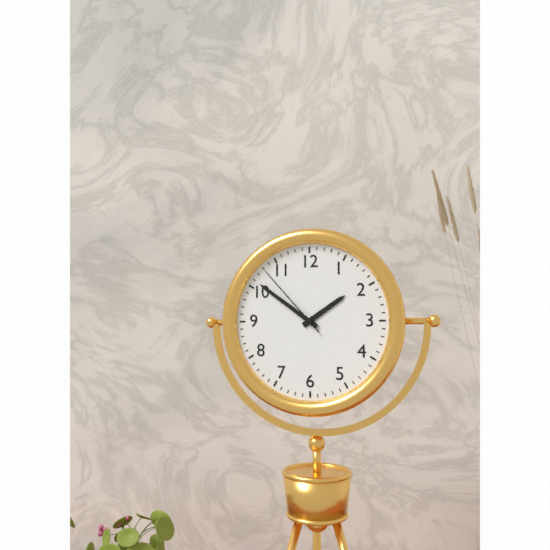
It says h=1 m=51 s=53
